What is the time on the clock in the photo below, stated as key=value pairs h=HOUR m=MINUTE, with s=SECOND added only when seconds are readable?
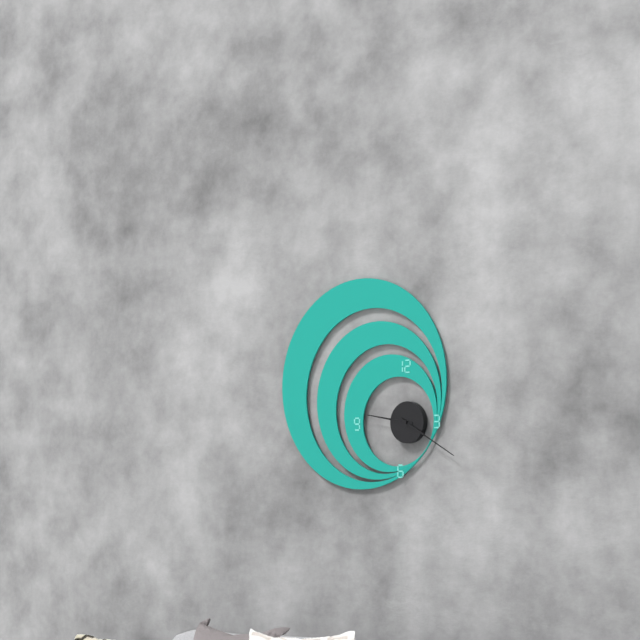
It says h=9 m=20
